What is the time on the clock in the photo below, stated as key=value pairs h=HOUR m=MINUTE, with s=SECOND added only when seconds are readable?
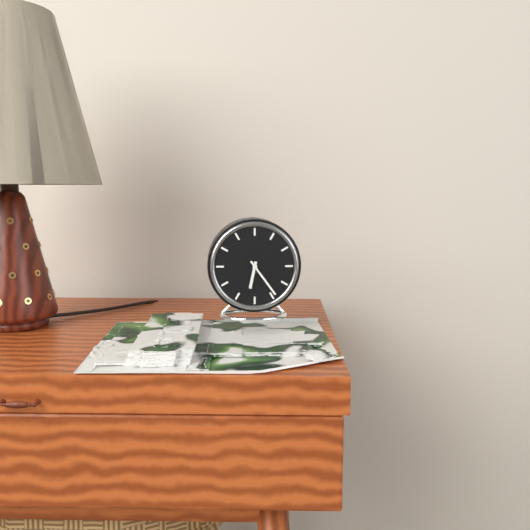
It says h=6 m=24
